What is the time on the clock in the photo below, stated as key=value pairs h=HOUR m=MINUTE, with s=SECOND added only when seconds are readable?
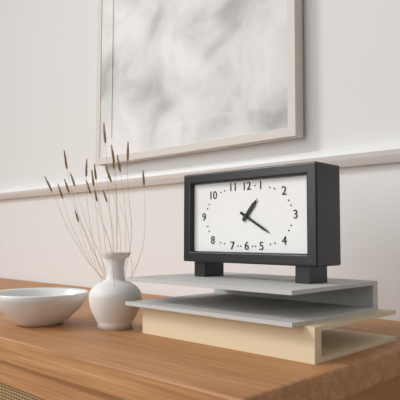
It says h=1 m=20
